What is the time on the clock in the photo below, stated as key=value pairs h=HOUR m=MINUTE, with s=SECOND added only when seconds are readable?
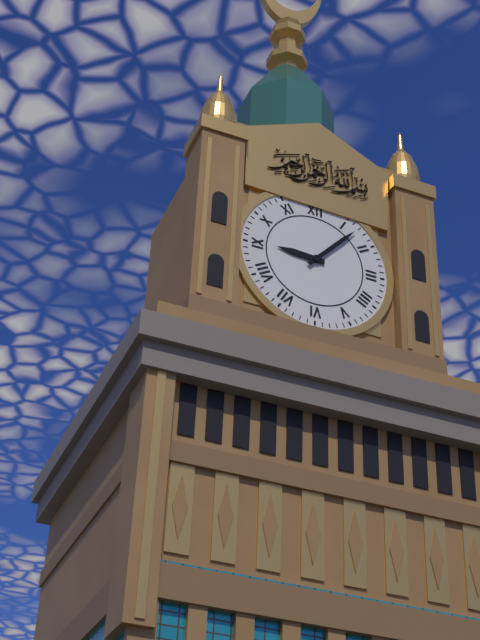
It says h=9 m=7
